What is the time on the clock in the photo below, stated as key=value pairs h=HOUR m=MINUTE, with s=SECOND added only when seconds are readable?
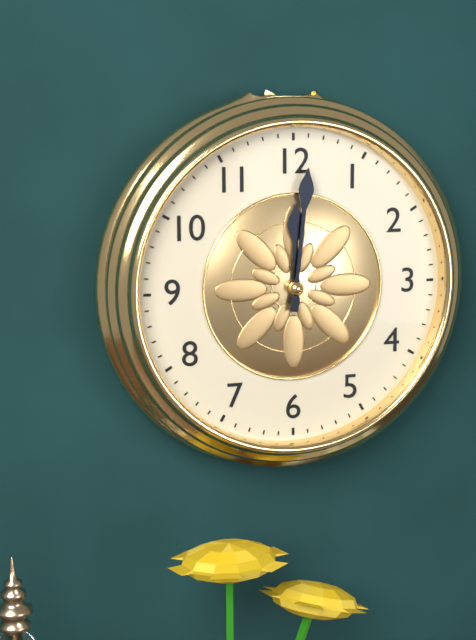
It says h=12 m=1
